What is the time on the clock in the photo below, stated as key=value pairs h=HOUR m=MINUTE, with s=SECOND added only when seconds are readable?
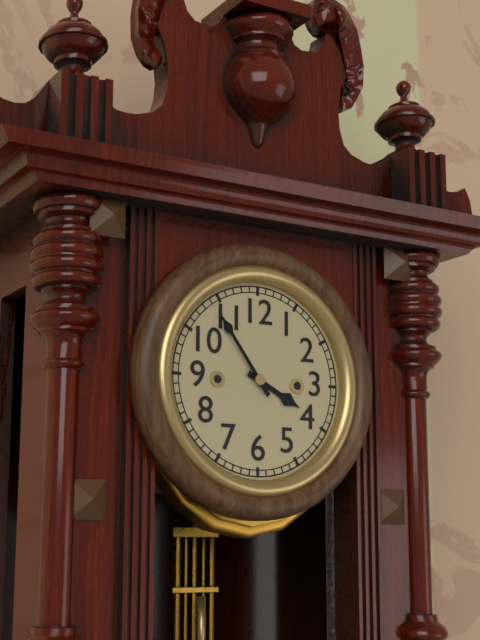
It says h=3 m=54
